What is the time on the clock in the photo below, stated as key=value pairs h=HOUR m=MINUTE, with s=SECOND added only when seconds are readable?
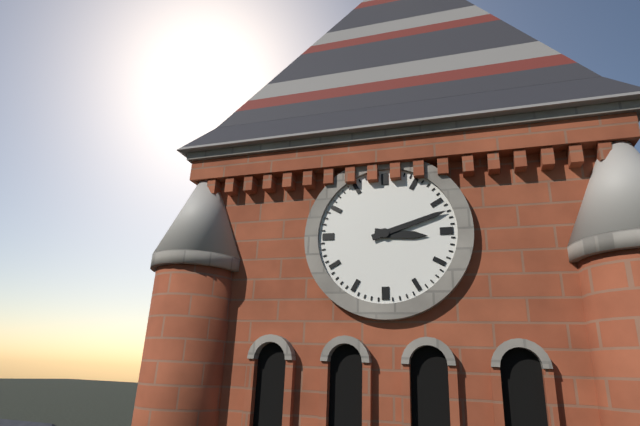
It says h=3 m=12
